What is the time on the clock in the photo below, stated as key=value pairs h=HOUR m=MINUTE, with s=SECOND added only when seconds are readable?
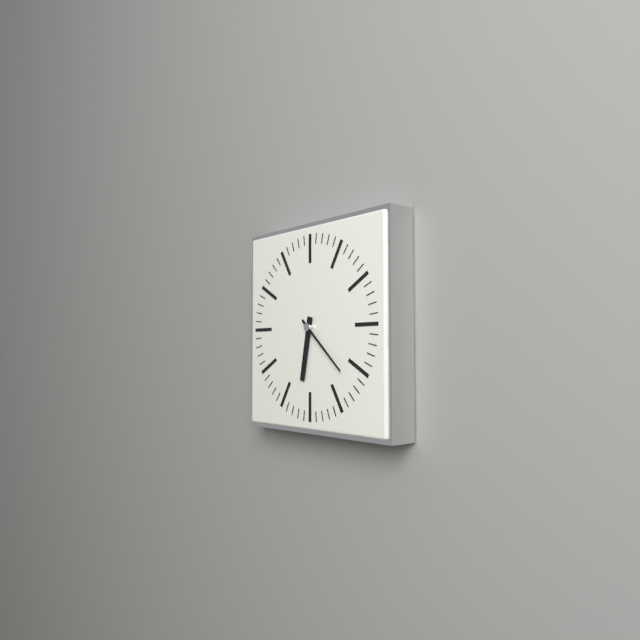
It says h=6 m=22
